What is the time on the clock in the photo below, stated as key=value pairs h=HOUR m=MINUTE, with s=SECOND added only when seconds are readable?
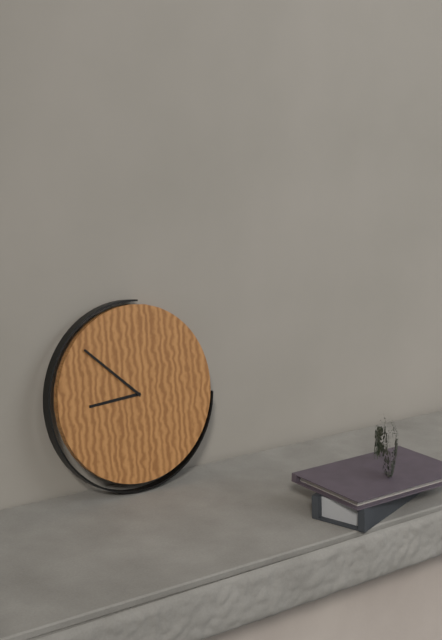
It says h=8 m=52
